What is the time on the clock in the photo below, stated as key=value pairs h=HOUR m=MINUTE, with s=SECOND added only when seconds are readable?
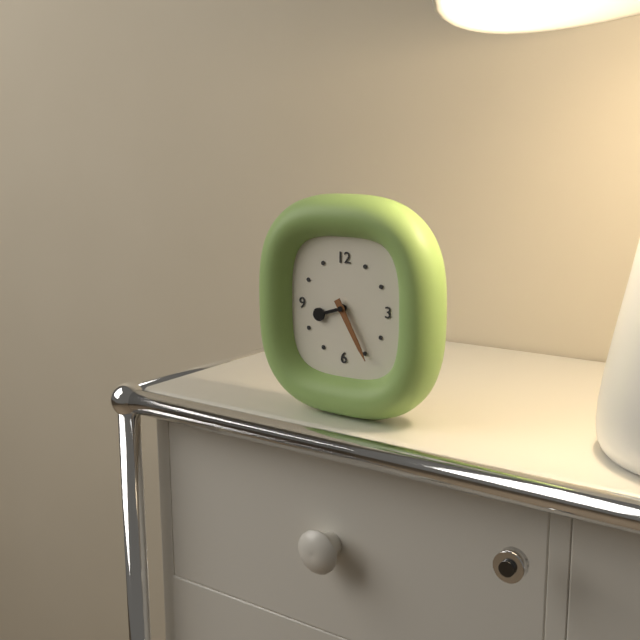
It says h=8 m=25
